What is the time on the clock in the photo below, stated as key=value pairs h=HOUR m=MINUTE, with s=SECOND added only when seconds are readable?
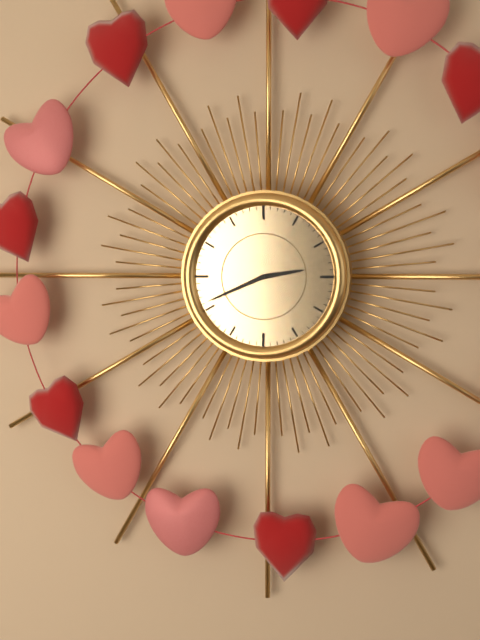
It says h=2 m=41
